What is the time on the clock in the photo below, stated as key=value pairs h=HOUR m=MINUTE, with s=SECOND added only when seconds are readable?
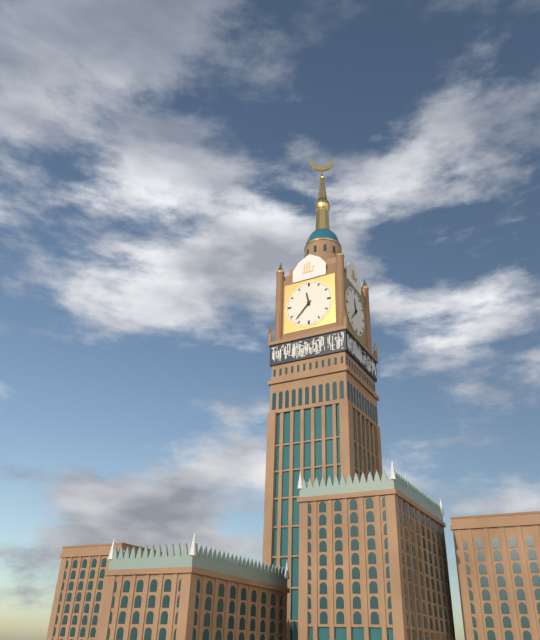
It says h=11 m=37
